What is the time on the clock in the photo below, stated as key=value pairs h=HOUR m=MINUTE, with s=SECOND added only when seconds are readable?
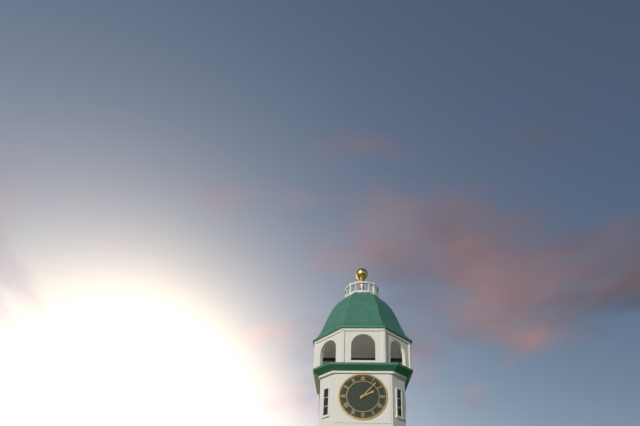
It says h=2 m=7
